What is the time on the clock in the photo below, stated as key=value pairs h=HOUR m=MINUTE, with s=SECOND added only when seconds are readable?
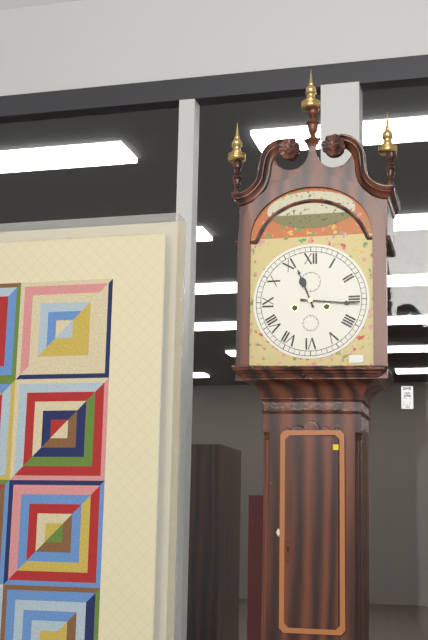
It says h=11 m=16
